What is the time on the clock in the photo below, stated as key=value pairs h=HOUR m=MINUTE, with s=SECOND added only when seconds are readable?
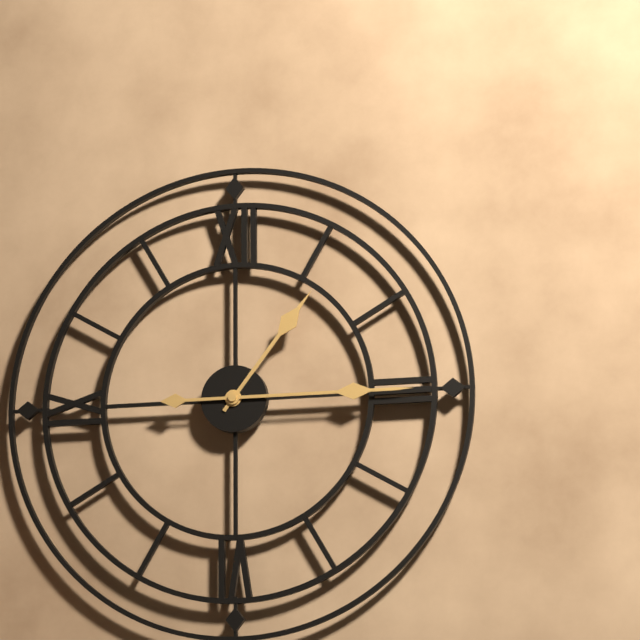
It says h=1 m=15
